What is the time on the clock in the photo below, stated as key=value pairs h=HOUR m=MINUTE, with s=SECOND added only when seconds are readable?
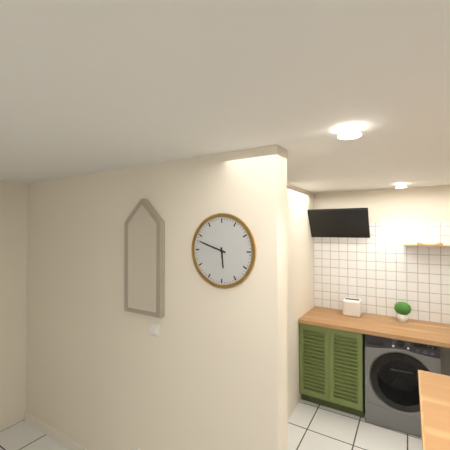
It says h=5 m=48
